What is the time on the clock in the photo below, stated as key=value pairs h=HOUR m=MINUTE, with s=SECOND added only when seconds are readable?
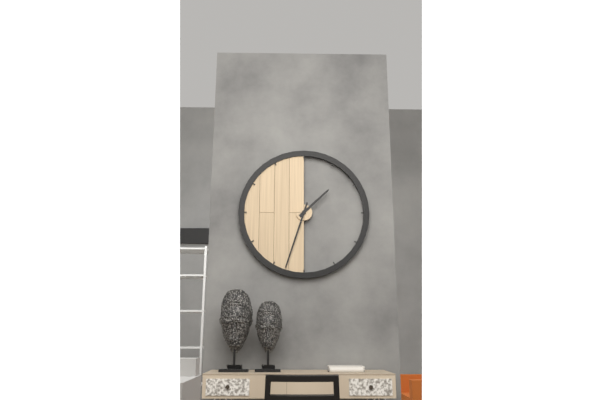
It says h=1 m=33
